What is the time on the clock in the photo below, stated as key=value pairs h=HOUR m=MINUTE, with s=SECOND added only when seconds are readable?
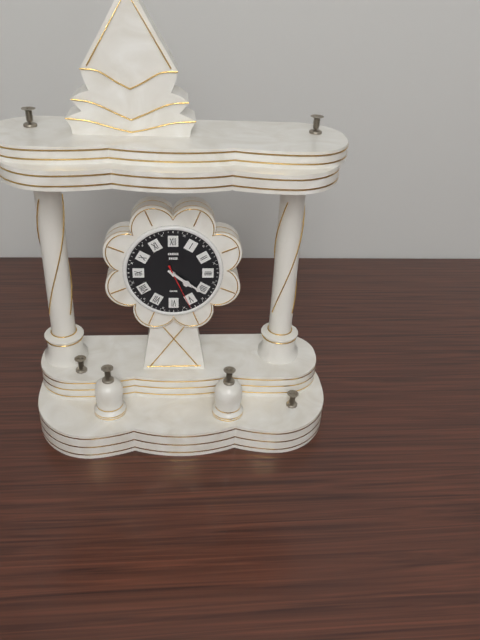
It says h=4 m=21
